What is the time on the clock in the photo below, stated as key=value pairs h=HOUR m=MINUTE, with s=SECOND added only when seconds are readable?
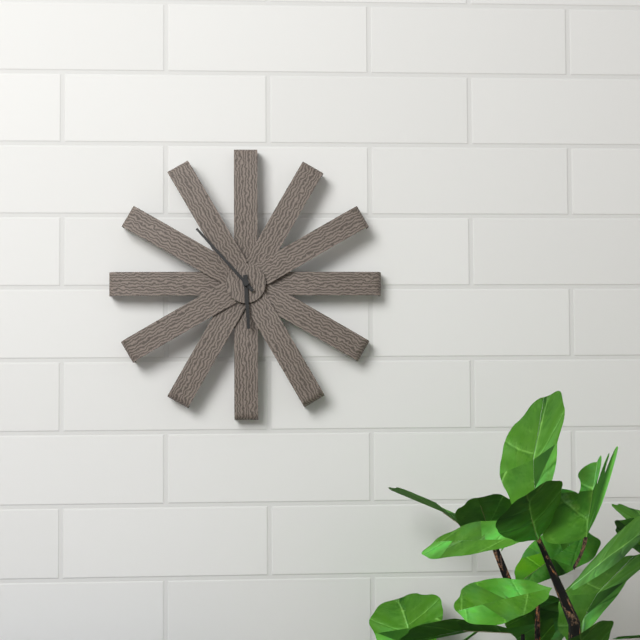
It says h=5 m=53
